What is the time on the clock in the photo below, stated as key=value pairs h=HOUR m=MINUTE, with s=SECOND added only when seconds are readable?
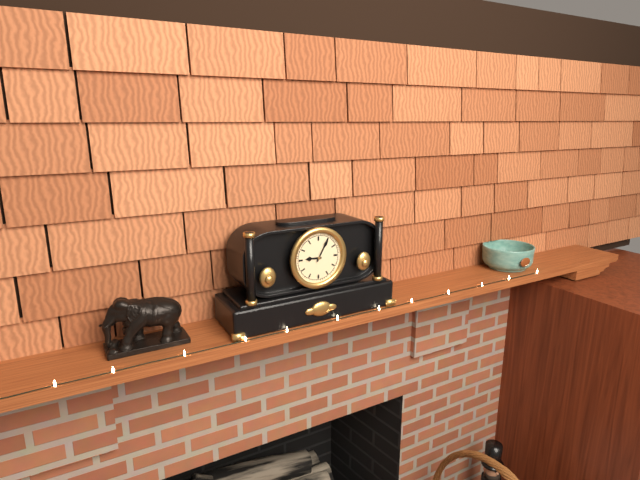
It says h=9 m=5
